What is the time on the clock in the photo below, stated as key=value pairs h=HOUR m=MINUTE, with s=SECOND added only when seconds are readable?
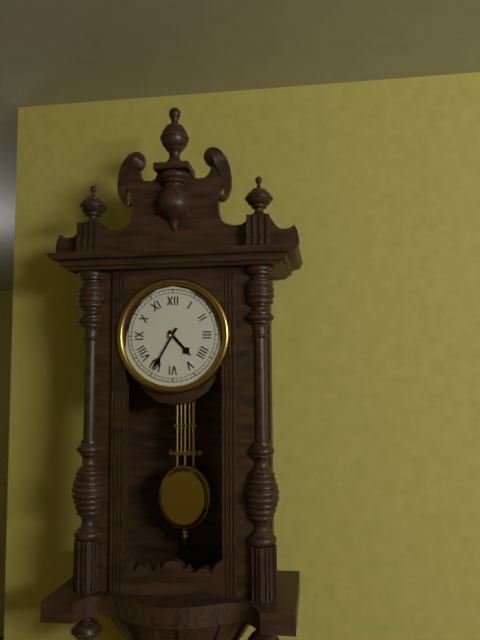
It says h=4 m=35
